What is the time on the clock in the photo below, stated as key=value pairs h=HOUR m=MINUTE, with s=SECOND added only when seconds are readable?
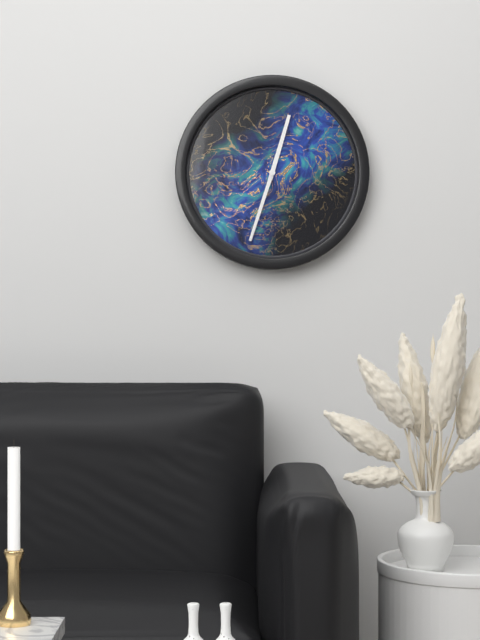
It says h=12 m=33
